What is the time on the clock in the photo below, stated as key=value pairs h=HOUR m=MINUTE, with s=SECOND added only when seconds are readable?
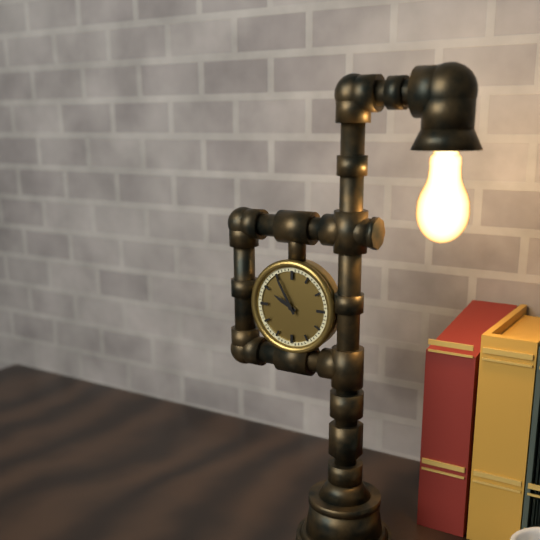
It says h=9 m=55
